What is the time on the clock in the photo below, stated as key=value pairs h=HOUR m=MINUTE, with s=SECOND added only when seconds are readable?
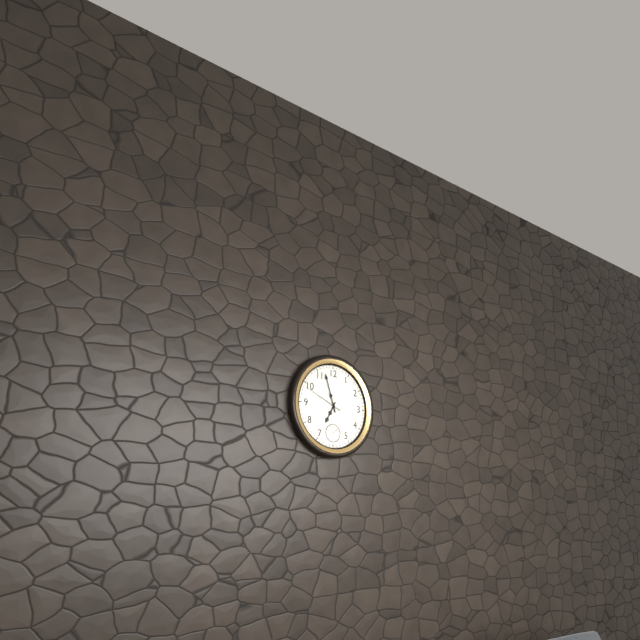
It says h=6 m=57
